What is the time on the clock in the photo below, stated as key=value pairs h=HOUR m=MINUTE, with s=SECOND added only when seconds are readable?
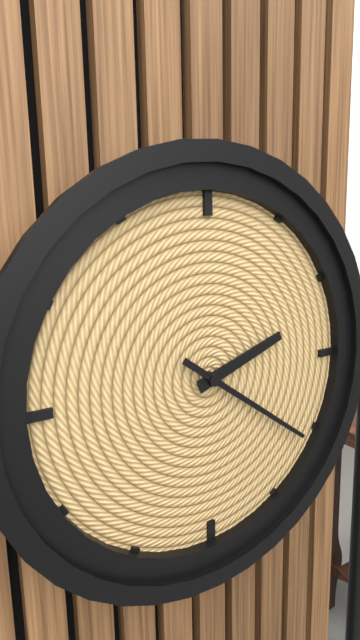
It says h=2 m=21
